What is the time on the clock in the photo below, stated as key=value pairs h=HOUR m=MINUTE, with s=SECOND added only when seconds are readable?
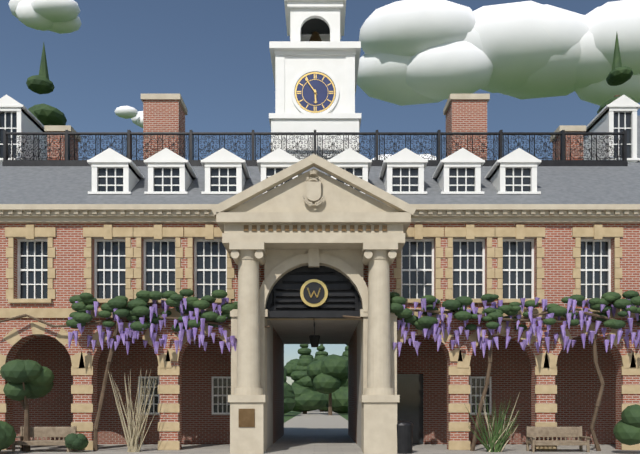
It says h=5 m=54
